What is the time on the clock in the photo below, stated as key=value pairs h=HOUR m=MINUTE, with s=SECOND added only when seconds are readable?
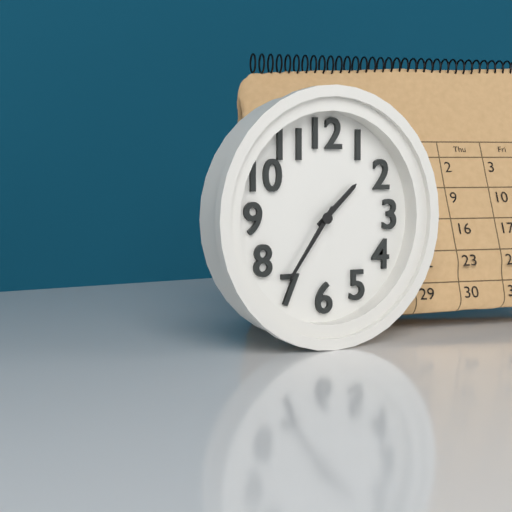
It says h=1 m=36
